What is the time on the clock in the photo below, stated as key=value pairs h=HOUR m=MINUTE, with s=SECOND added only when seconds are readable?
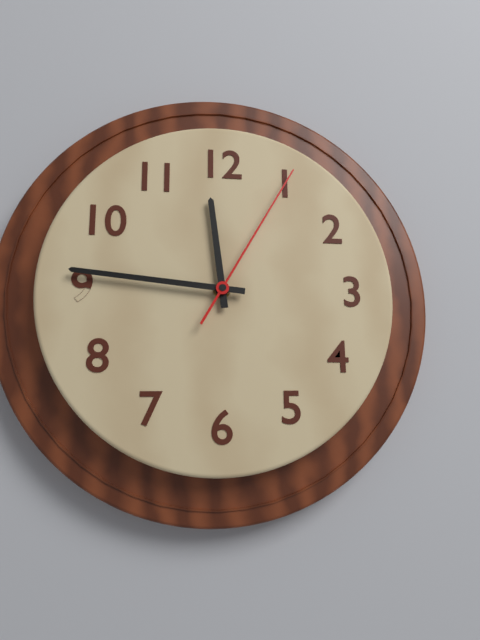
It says h=11 m=46 s=5
